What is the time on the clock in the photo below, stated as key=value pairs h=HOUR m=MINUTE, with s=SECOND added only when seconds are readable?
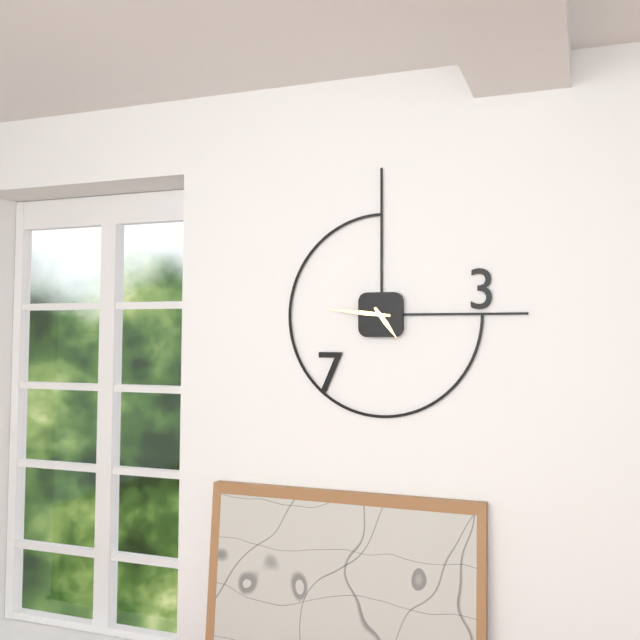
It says h=4 m=46
